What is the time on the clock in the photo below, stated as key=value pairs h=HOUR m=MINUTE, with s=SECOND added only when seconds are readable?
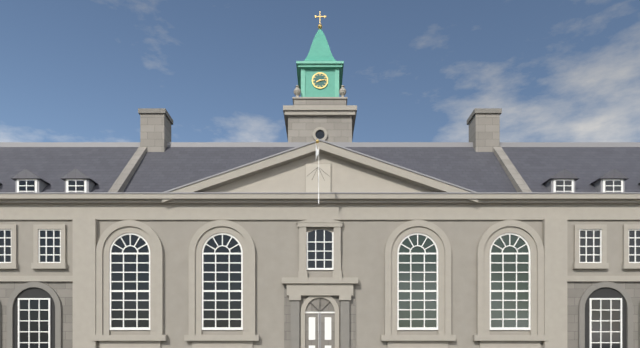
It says h=8 m=14
